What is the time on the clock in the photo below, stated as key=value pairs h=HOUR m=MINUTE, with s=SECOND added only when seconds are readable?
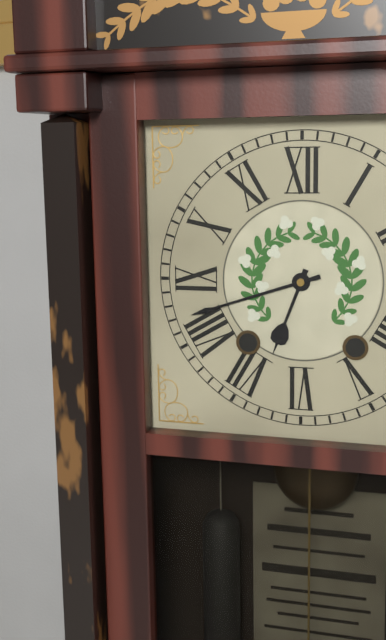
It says h=6 m=42
